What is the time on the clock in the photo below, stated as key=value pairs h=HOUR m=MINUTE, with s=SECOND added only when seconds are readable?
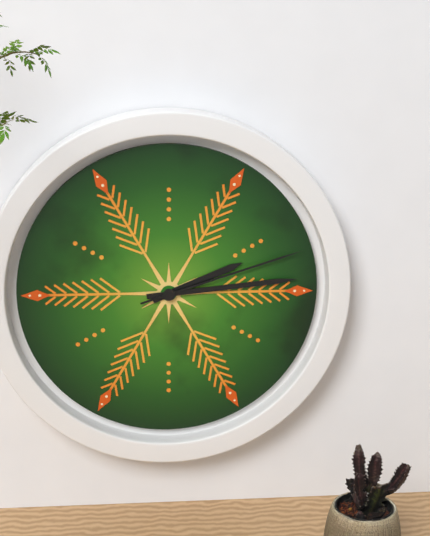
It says h=2 m=14 s=12
